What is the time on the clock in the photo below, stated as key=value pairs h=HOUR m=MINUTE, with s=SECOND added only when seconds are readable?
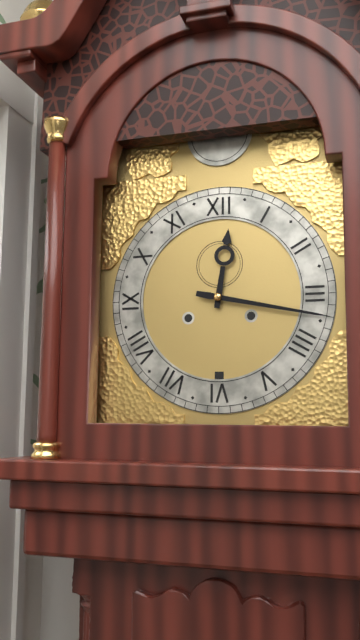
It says h=12 m=17
